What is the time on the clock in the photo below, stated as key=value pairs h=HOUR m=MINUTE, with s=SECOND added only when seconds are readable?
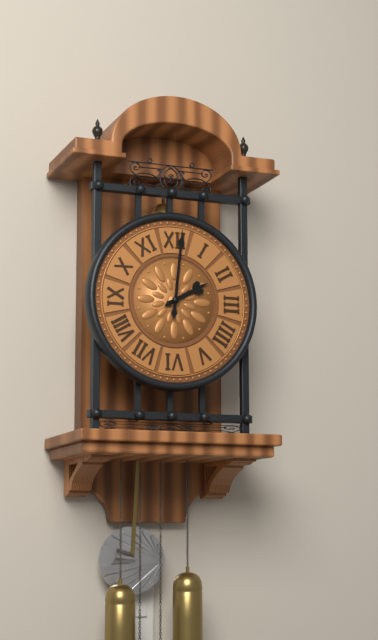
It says h=2 m=1
